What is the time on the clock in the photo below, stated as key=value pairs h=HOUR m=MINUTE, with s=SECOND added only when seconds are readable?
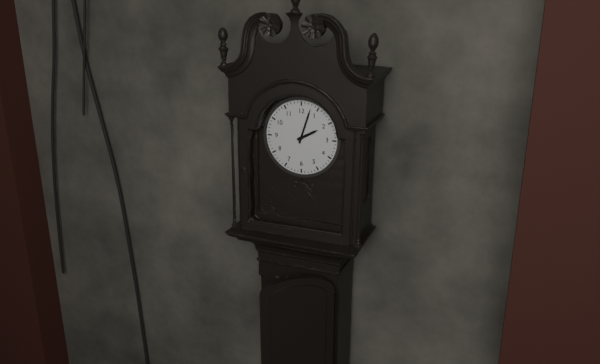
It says h=2 m=3
